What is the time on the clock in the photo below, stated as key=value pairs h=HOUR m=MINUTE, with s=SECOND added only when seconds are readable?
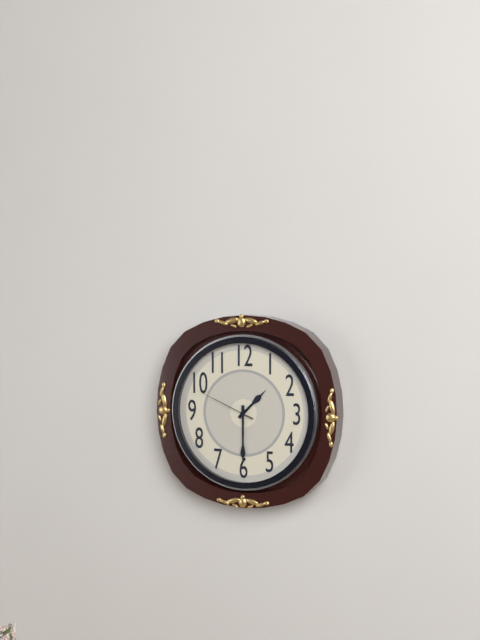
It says h=1 m=30 s=49
